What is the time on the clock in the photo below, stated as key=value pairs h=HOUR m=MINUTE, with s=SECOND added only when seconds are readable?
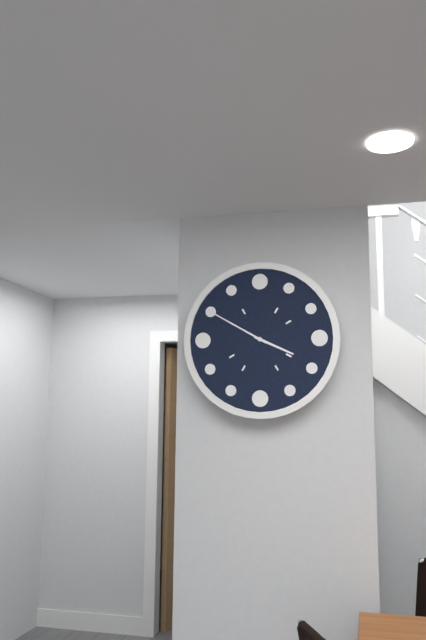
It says h=3 m=50
